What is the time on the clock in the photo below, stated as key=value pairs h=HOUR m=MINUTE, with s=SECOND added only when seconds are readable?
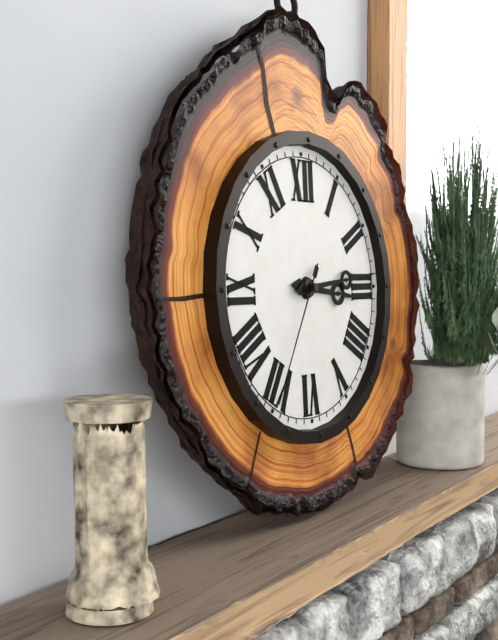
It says h=3 m=14 s=35
